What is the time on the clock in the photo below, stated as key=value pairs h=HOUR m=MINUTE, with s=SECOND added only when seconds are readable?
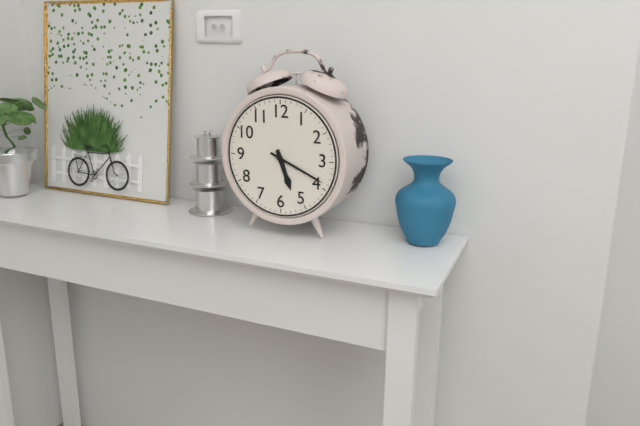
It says h=5 m=19
